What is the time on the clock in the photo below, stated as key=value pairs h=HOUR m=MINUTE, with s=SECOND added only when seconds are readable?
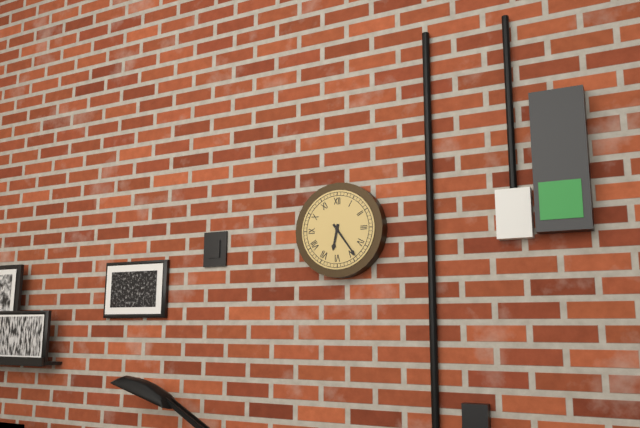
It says h=6 m=24
